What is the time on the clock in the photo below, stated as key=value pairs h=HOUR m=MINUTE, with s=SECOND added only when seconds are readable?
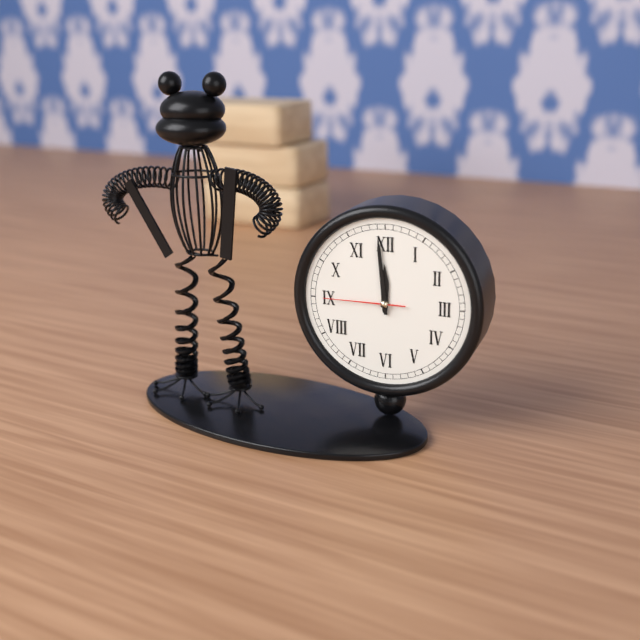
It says h=11 m=59 s=45
